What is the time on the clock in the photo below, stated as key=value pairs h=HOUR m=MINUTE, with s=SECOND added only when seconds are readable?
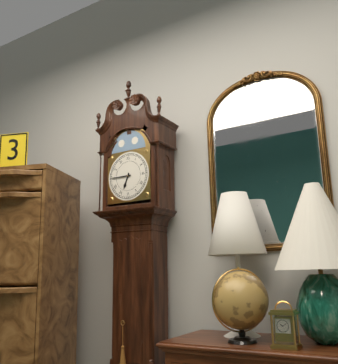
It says h=6 m=45
